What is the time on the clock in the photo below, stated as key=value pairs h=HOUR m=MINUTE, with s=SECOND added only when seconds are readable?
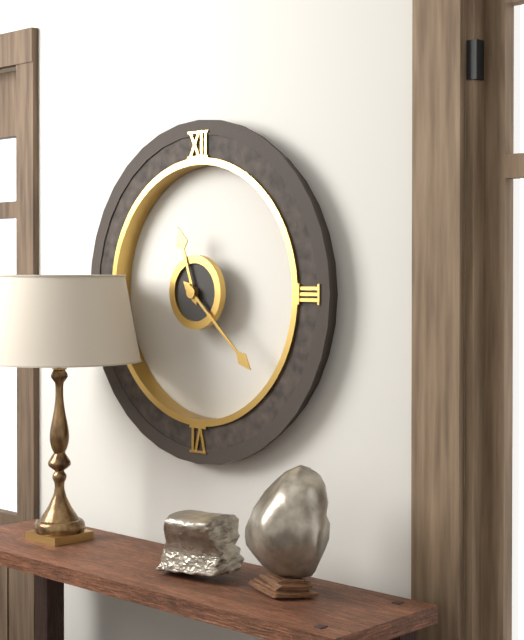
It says h=11 m=22
